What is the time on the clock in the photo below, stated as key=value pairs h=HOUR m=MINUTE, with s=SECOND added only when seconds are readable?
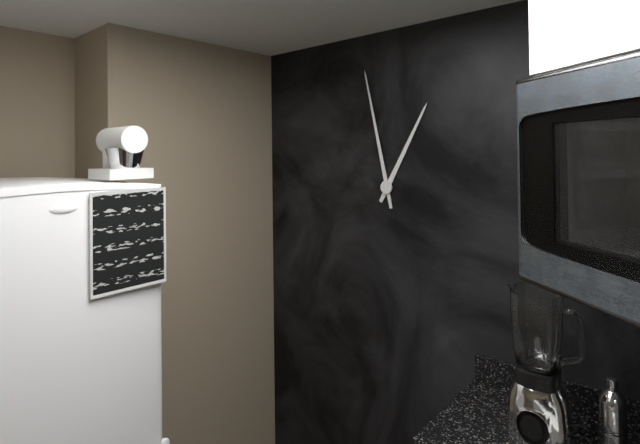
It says h=12 m=58
